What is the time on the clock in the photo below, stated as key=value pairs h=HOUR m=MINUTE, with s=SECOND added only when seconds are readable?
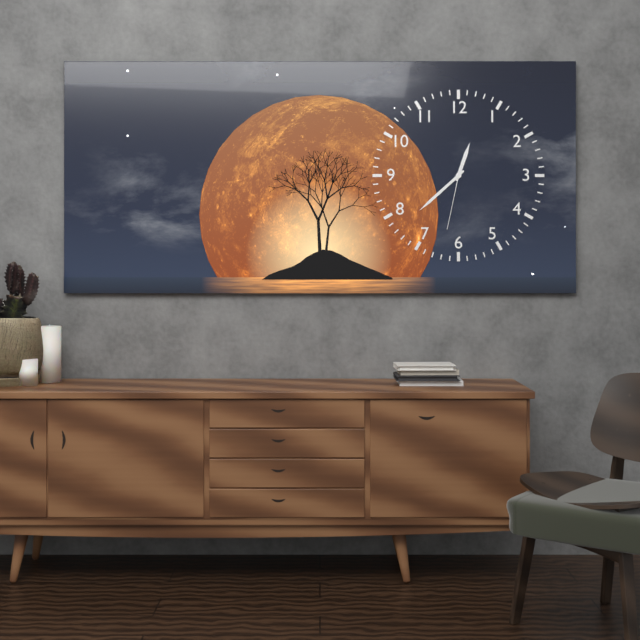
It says h=12 m=38 s=32
